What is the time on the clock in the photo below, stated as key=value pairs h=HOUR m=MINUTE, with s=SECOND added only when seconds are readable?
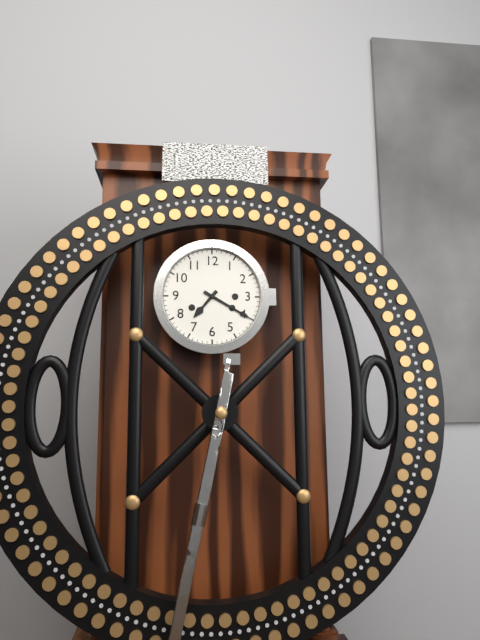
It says h=7 m=20
